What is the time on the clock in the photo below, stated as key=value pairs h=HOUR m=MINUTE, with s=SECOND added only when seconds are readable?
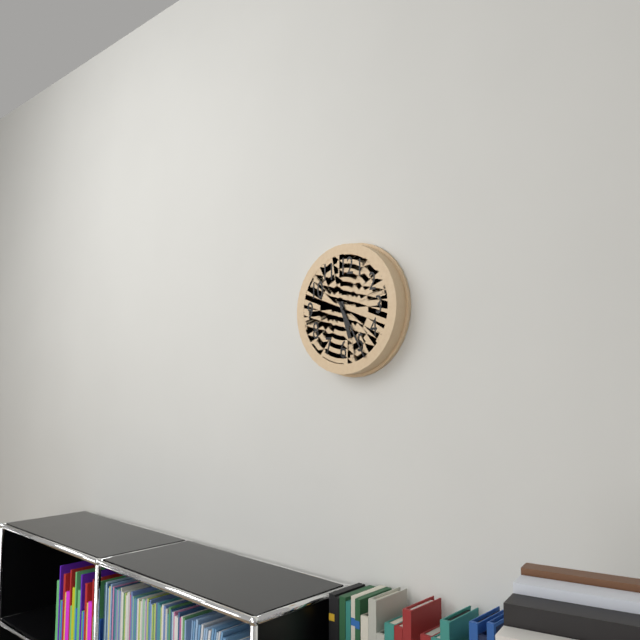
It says h=5 m=25
